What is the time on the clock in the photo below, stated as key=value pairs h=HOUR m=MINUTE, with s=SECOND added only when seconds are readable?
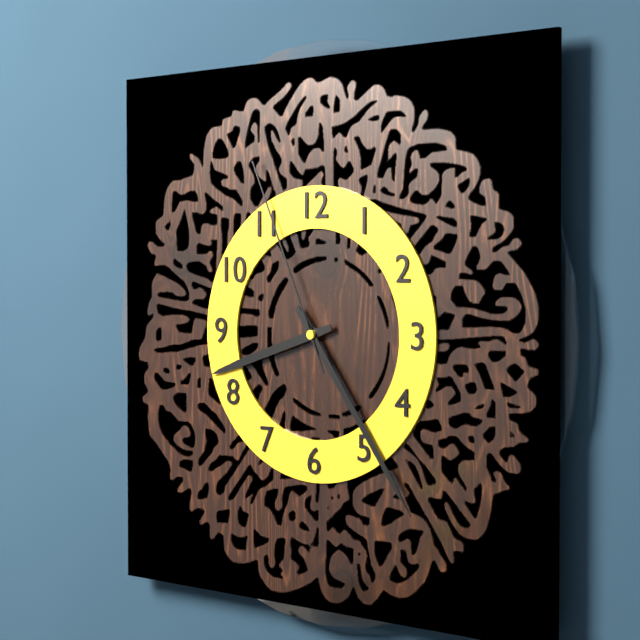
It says h=8 m=24 s=56
